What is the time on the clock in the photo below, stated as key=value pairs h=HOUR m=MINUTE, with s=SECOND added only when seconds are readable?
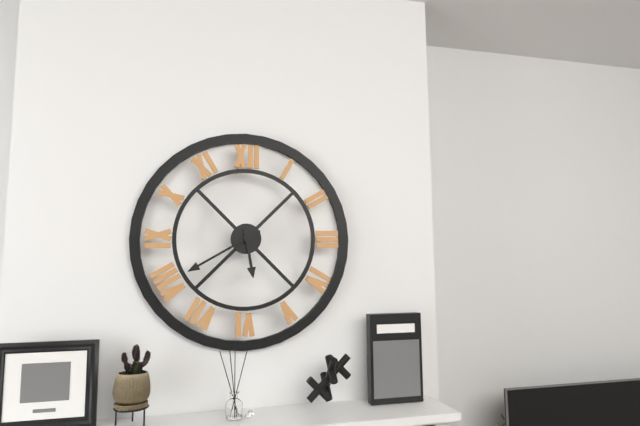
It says h=5 m=40
